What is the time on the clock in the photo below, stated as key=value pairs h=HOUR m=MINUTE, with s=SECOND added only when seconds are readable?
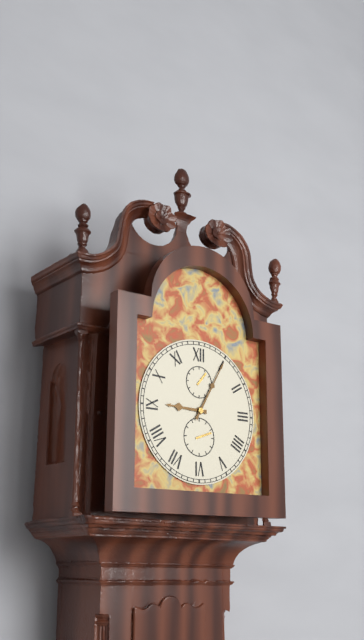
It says h=9 m=5
